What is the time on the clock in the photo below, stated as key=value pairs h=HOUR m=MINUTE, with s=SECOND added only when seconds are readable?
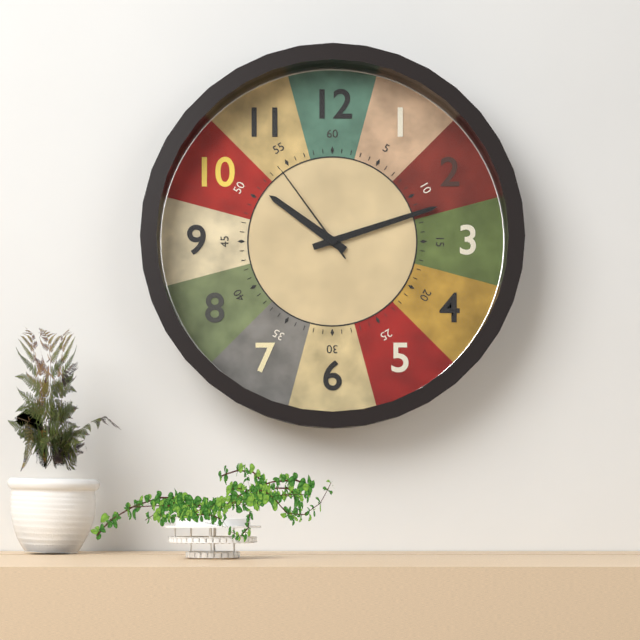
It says h=10 m=12 s=54
